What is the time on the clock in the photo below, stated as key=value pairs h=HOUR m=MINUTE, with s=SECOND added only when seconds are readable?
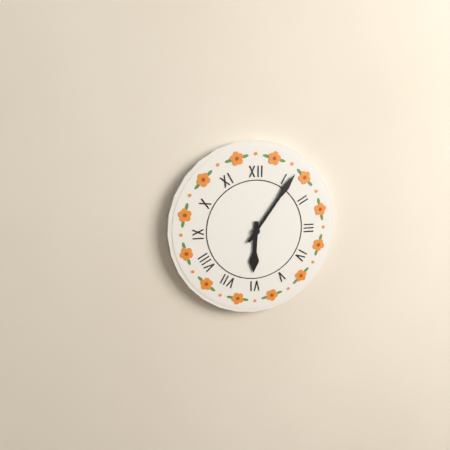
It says h=6 m=6
